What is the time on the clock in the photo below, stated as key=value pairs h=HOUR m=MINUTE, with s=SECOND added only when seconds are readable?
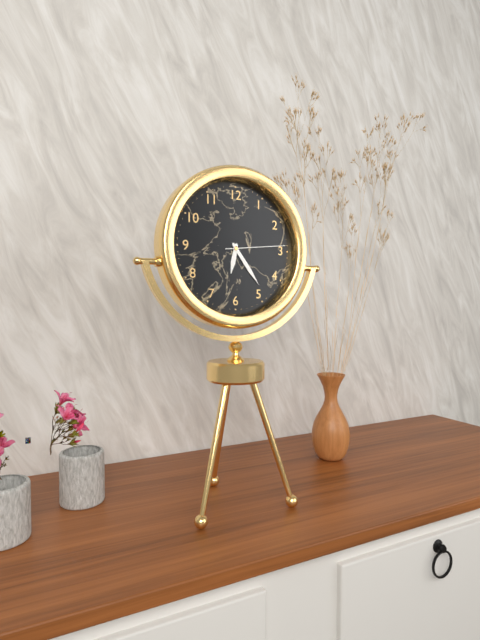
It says h=6 m=24 s=14
